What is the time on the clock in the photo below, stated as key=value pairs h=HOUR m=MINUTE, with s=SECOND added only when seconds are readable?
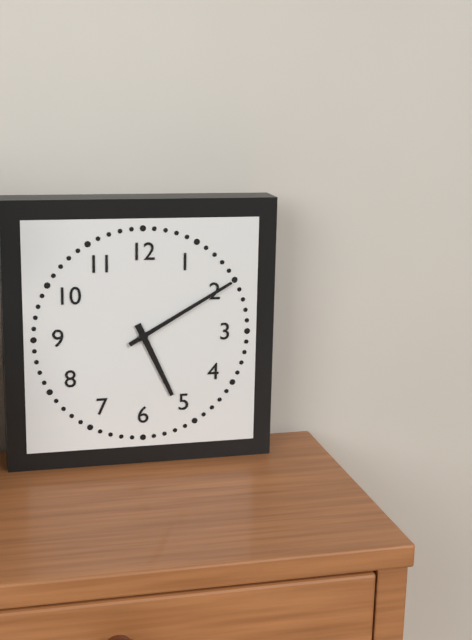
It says h=5 m=10
